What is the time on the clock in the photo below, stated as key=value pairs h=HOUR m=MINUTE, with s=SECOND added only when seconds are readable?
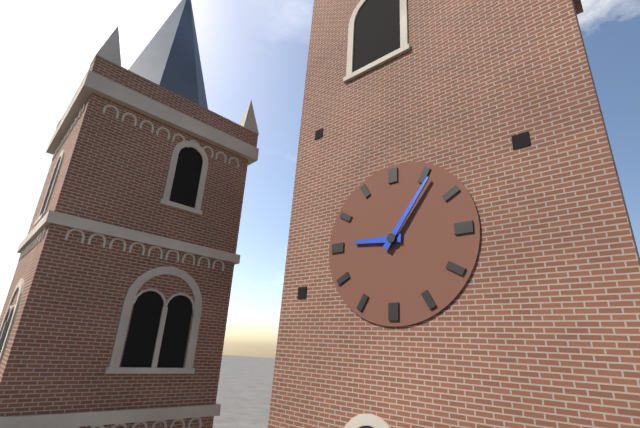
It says h=9 m=6
